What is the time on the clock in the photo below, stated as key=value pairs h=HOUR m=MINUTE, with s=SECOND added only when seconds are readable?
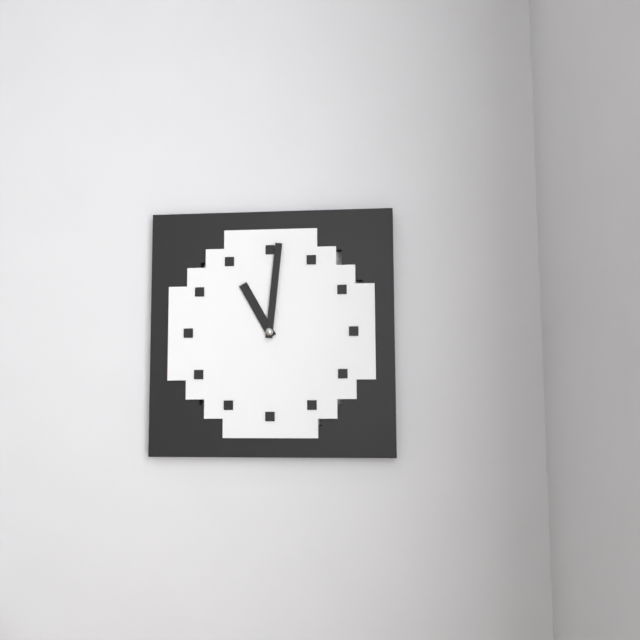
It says h=11 m=1
